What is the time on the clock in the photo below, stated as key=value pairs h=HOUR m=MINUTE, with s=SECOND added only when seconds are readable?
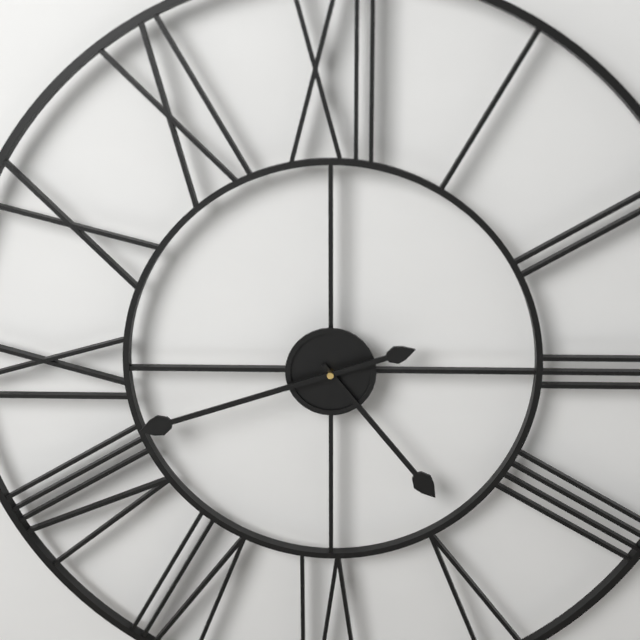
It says h=4 m=42
